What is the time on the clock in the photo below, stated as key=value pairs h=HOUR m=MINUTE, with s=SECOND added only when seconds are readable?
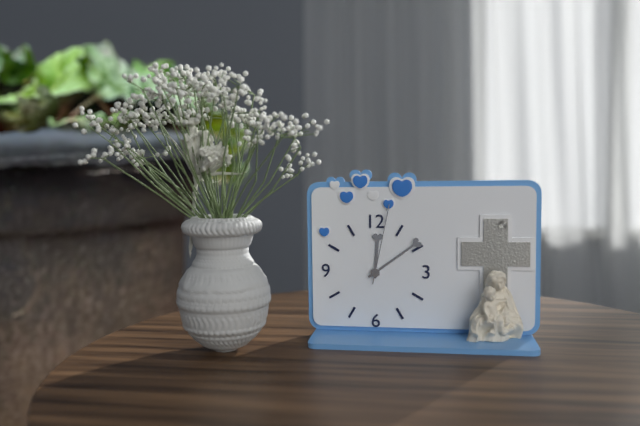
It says h=12 m=9 s=2
